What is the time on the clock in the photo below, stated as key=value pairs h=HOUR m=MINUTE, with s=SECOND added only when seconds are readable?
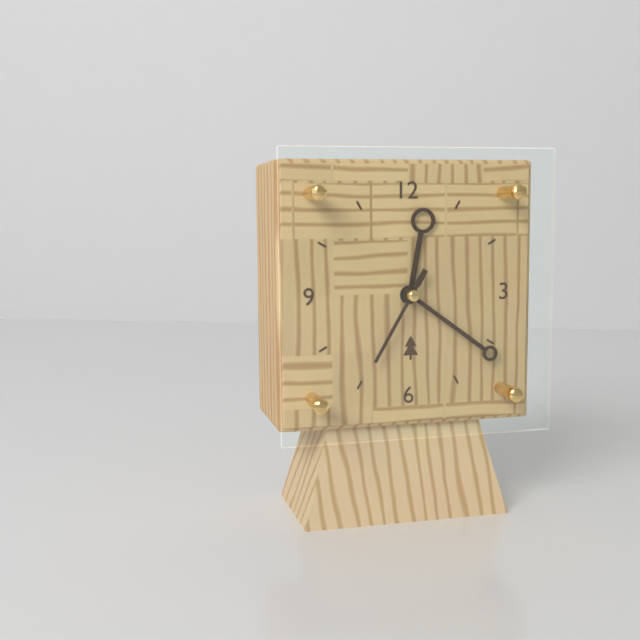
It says h=12 m=21 s=35
